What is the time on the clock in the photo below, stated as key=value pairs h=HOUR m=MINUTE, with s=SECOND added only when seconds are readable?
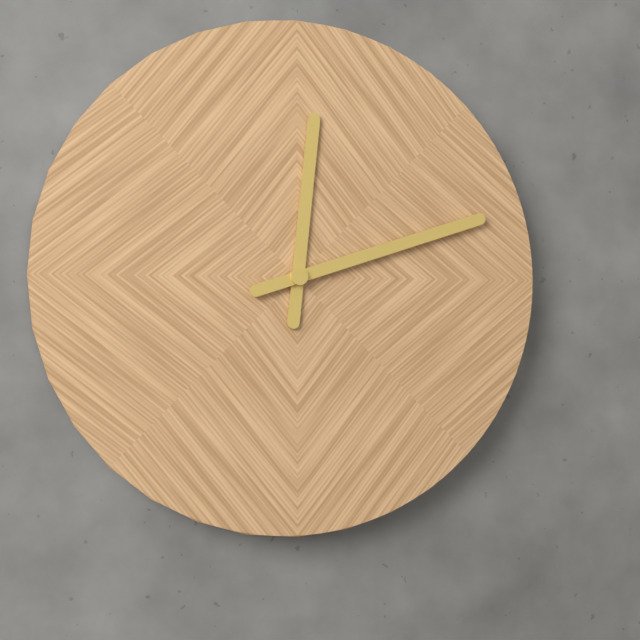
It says h=12 m=12
